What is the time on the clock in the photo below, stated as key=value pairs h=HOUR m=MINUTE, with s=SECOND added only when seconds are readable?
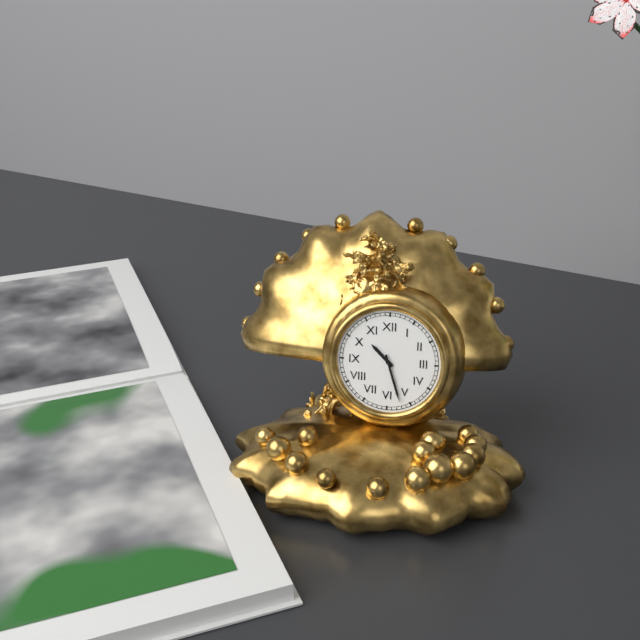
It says h=10 m=27
